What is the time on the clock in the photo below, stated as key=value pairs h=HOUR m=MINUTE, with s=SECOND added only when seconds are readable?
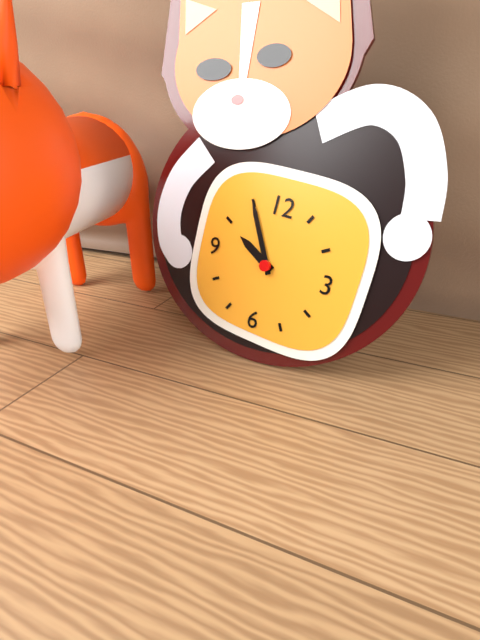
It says h=9 m=55
